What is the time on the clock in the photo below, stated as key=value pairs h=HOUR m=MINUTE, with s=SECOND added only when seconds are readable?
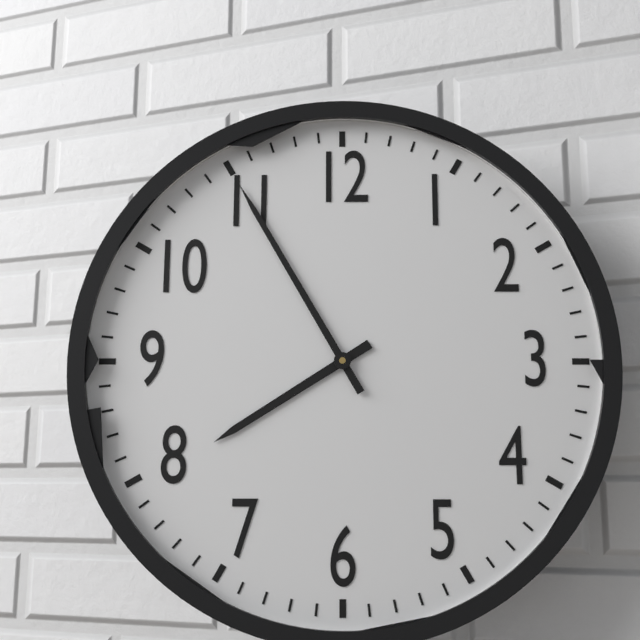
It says h=7 m=55
